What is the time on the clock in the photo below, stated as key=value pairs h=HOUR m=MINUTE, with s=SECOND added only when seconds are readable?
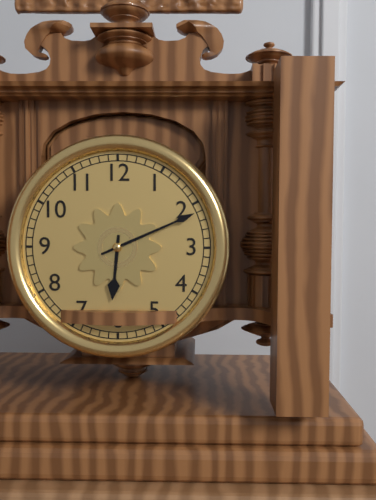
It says h=6 m=11
